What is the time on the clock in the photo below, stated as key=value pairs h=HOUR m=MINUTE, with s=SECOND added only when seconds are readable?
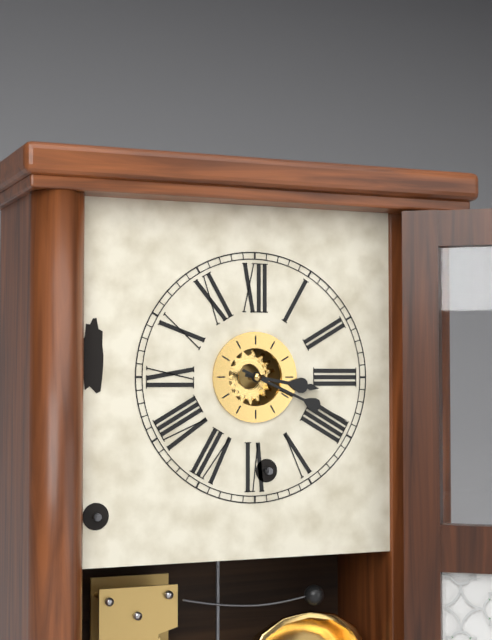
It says h=3 m=19
